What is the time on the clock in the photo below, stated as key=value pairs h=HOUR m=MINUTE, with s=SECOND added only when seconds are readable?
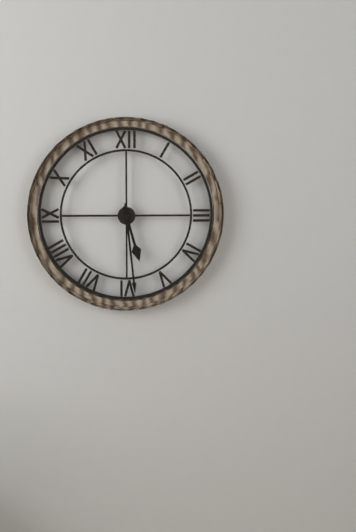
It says h=5 m=29
